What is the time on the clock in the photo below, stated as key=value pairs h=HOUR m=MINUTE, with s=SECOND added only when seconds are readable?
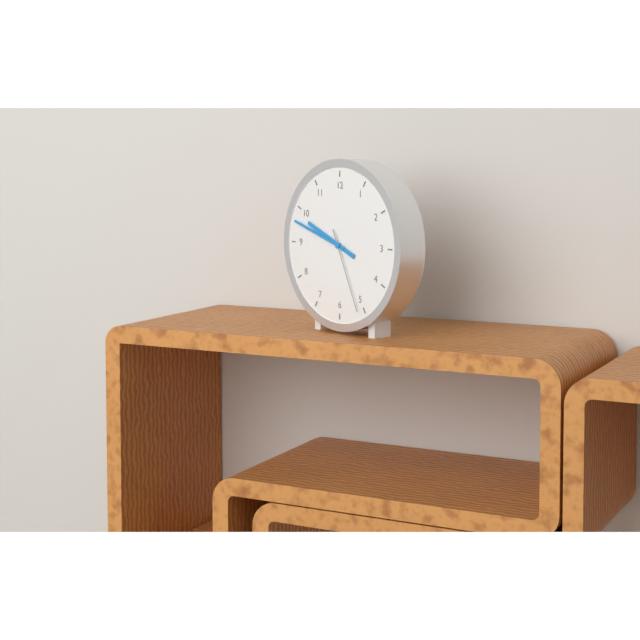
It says h=9 m=48 s=26
